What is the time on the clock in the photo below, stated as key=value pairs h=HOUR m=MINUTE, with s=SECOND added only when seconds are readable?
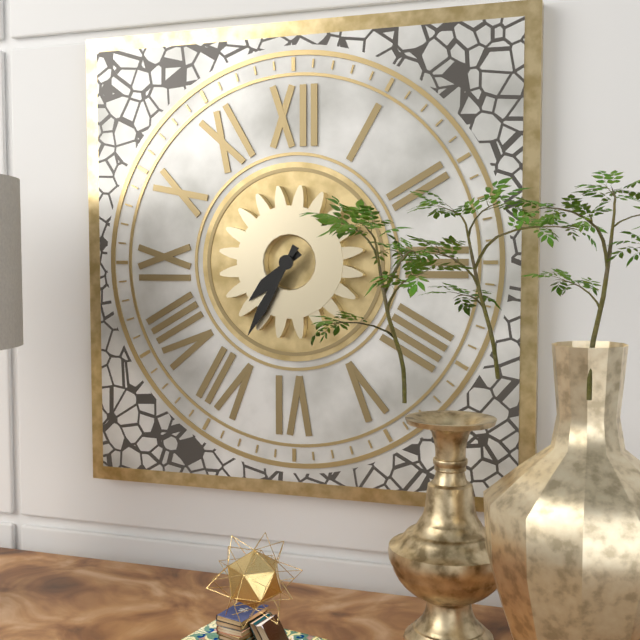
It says h=7 m=35
